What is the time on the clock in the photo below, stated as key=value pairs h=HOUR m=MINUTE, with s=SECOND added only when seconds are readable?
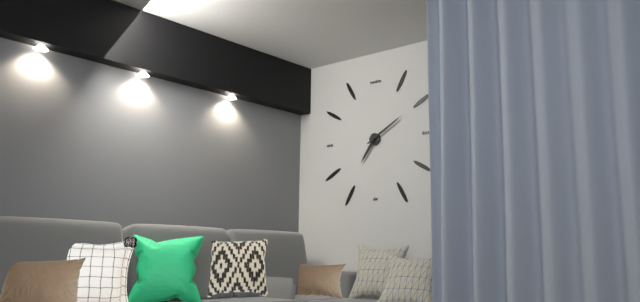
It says h=7 m=10
